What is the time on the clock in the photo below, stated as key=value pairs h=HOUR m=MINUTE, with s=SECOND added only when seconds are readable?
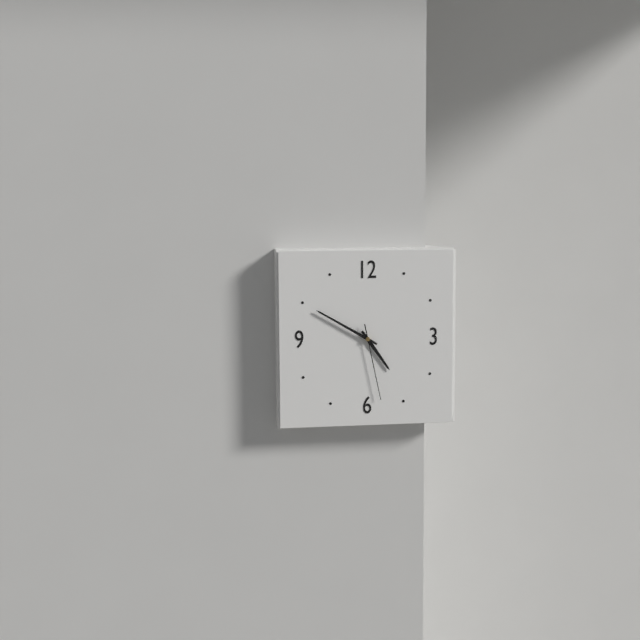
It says h=4 m=50 s=28
